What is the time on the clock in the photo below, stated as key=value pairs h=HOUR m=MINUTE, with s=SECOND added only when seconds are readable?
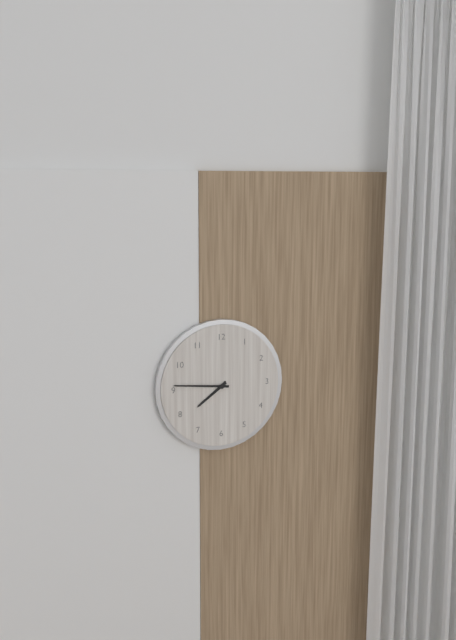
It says h=7 m=46
